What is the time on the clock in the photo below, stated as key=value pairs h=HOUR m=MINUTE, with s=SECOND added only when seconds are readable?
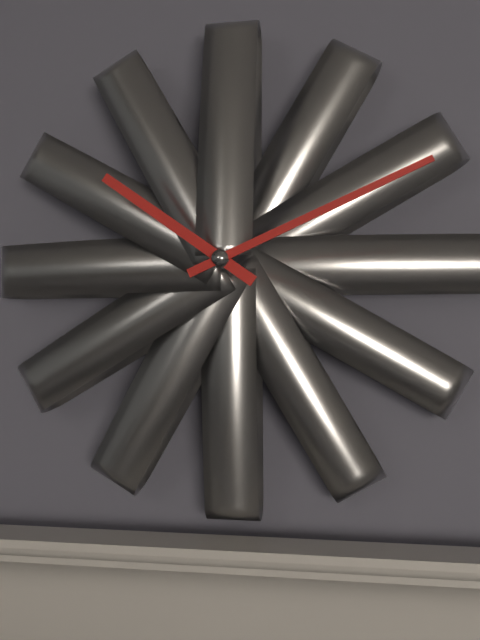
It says h=10 m=11
